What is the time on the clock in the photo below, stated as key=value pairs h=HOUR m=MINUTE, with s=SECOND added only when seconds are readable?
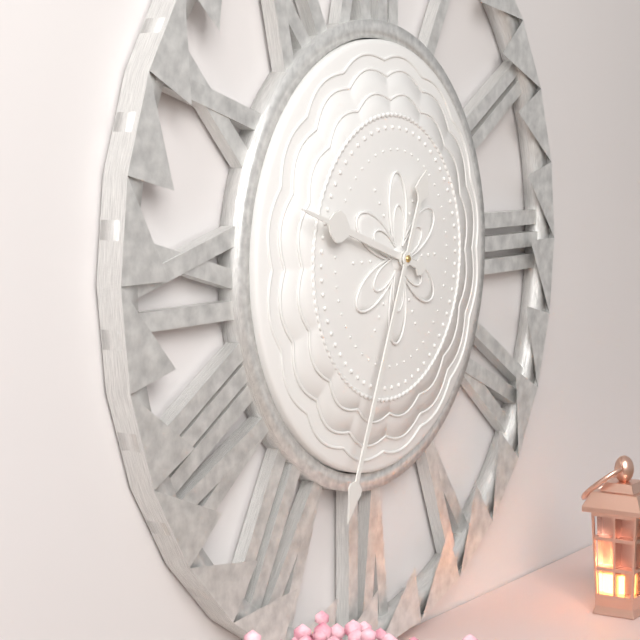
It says h=9 m=34
